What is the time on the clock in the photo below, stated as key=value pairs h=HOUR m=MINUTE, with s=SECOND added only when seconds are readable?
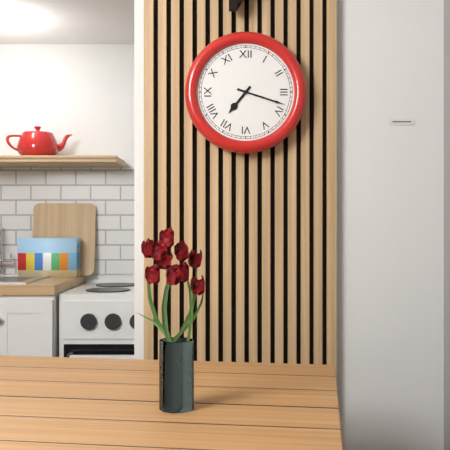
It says h=7 m=18
